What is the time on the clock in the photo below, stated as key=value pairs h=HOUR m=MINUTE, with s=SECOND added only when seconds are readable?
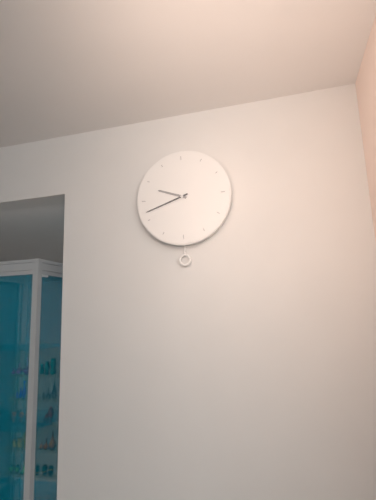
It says h=9 m=42
